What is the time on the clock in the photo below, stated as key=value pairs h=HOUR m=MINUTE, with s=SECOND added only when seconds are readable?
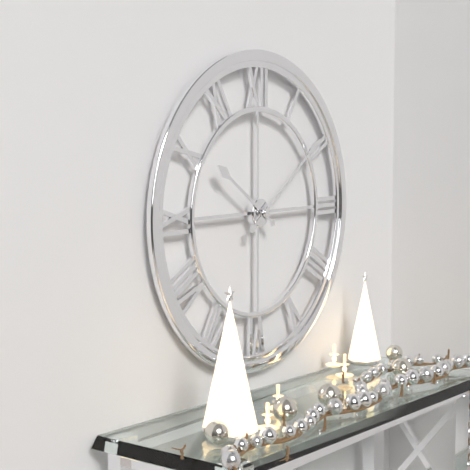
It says h=10 m=9
